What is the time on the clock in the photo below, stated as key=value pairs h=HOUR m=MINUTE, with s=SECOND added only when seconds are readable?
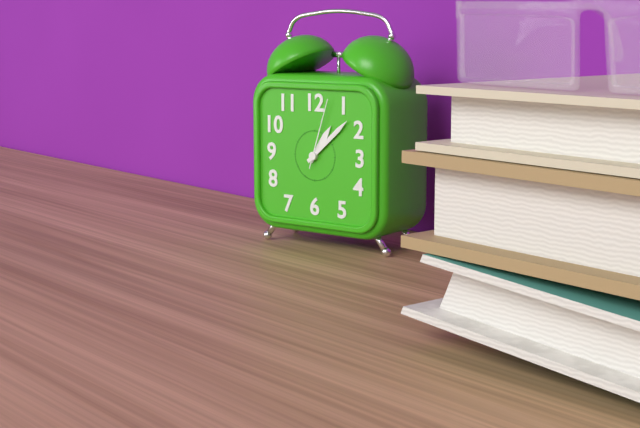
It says h=1 m=8 s=3
